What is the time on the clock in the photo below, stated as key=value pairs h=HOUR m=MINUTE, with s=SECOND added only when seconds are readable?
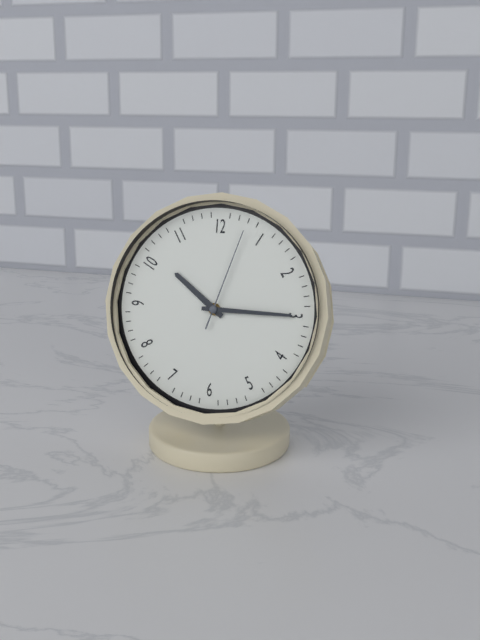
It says h=10 m=15 s=3
